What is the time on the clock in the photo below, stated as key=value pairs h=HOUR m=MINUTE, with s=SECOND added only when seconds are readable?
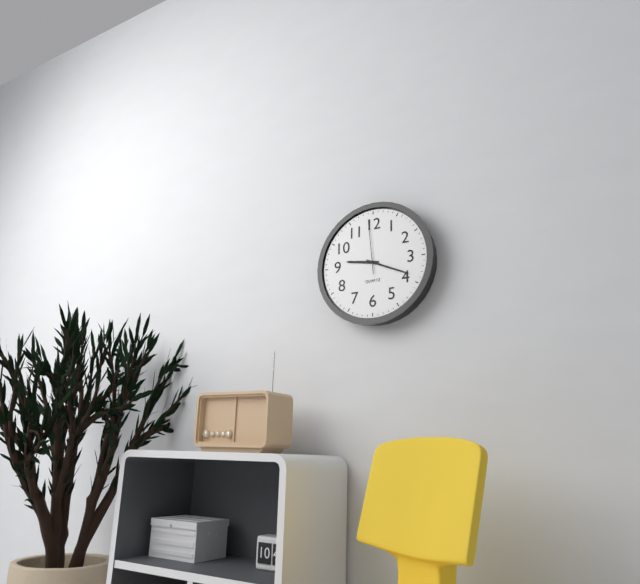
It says h=9 m=19 s=59
